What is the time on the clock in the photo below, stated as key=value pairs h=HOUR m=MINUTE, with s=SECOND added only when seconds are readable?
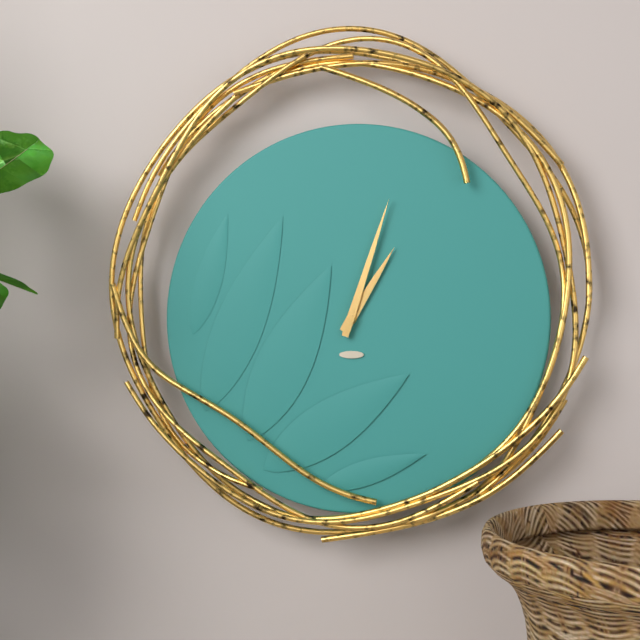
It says h=1 m=3
